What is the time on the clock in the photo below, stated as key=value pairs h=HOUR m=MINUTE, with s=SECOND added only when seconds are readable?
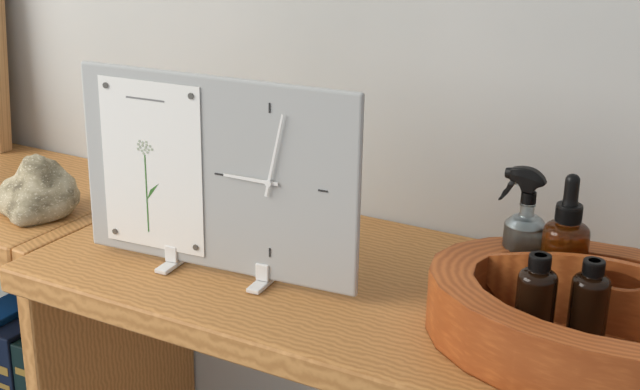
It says h=9 m=2
